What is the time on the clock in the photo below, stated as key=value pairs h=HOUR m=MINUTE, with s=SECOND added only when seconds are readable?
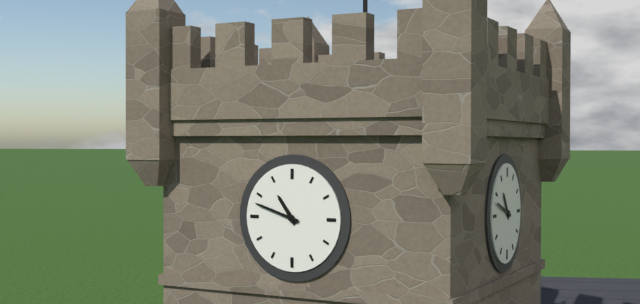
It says h=10 m=48
